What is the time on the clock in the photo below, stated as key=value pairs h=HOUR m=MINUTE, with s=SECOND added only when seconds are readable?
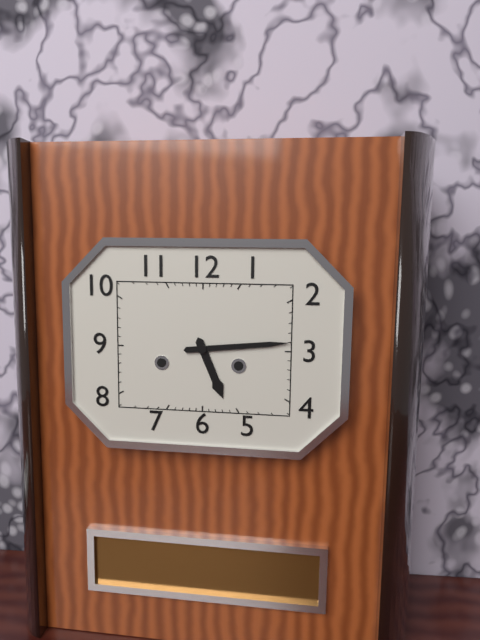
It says h=5 m=14
